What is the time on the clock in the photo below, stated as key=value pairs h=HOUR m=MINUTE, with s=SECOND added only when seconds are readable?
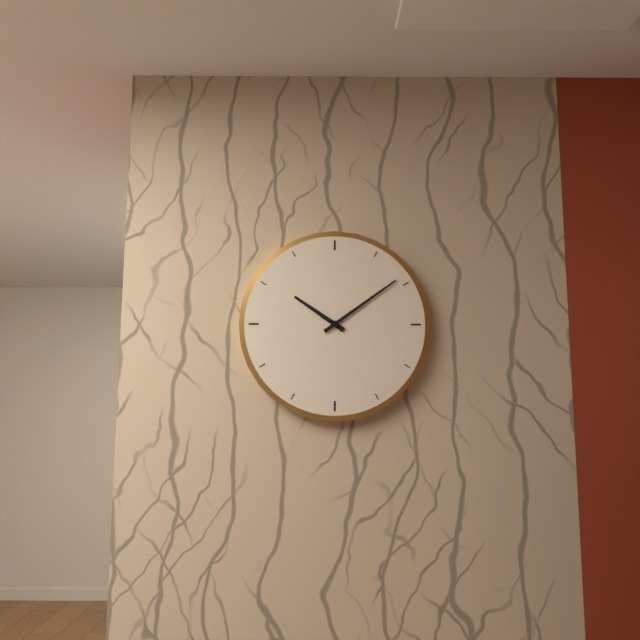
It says h=10 m=9
